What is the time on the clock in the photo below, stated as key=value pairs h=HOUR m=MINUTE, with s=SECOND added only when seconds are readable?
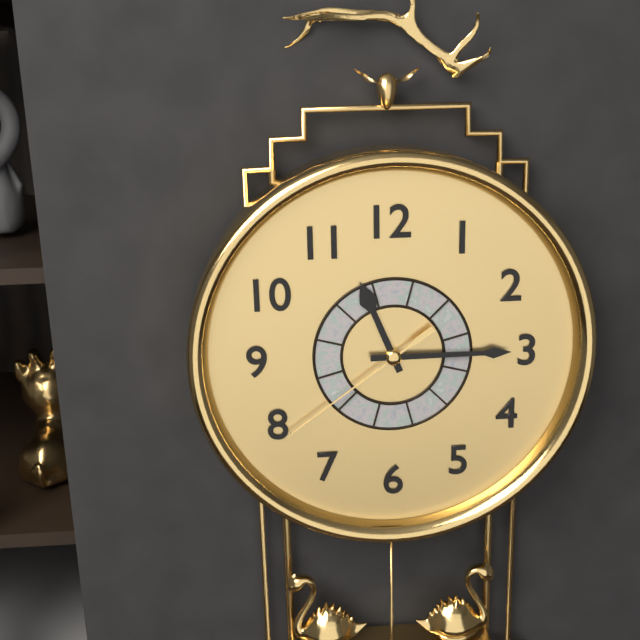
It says h=11 m=15 s=39
